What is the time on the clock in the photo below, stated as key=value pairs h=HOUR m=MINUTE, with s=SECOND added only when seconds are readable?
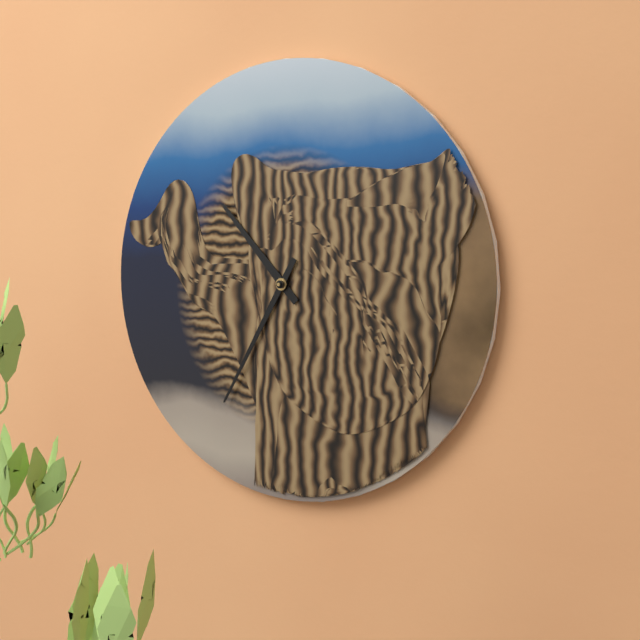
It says h=10 m=35
